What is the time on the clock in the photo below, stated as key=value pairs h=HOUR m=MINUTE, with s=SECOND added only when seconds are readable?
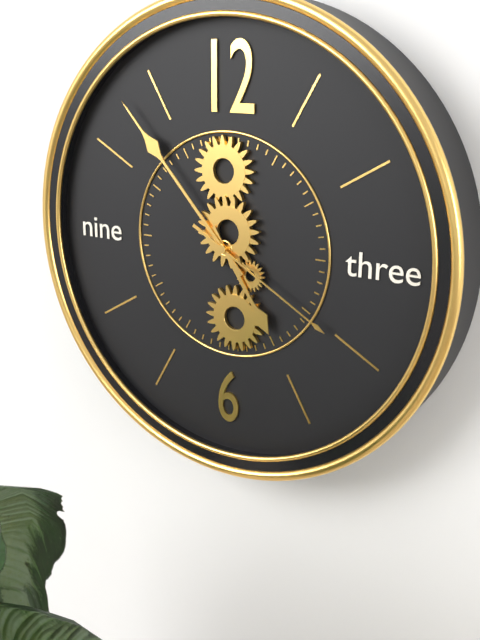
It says h=4 m=53 s=20
